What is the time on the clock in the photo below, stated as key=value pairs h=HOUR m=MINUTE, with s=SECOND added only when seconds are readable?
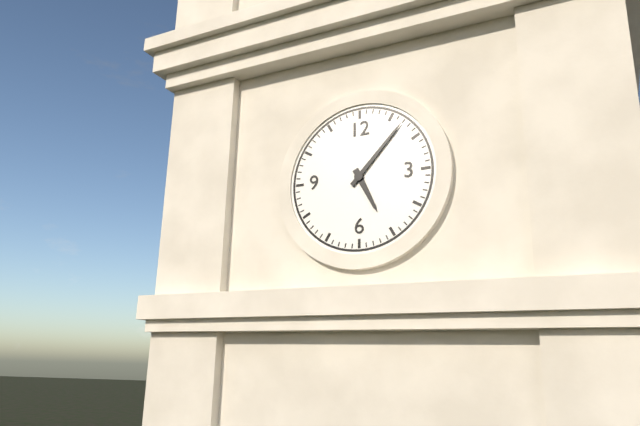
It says h=5 m=7
